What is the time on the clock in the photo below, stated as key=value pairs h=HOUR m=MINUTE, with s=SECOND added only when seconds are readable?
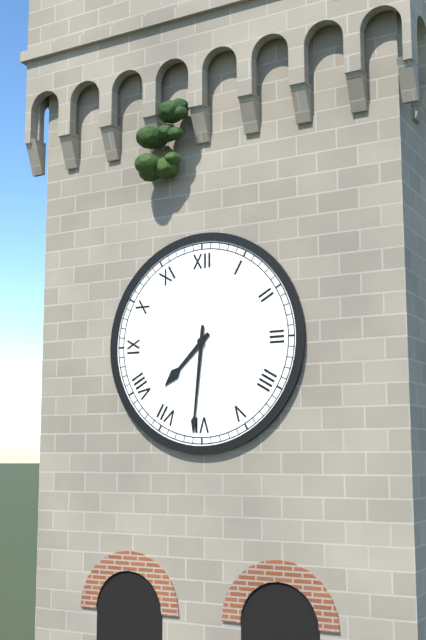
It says h=7 m=31
